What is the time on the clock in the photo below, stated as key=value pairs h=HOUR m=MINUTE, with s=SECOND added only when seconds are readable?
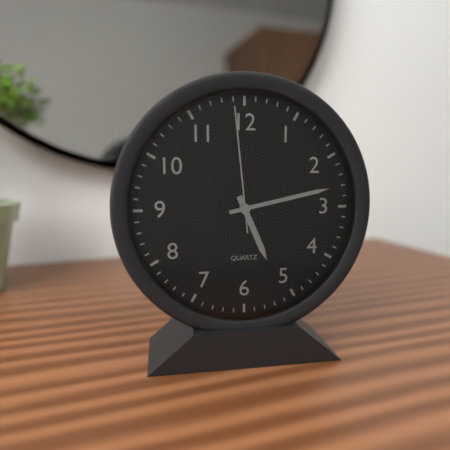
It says h=5 m=13 s=59
